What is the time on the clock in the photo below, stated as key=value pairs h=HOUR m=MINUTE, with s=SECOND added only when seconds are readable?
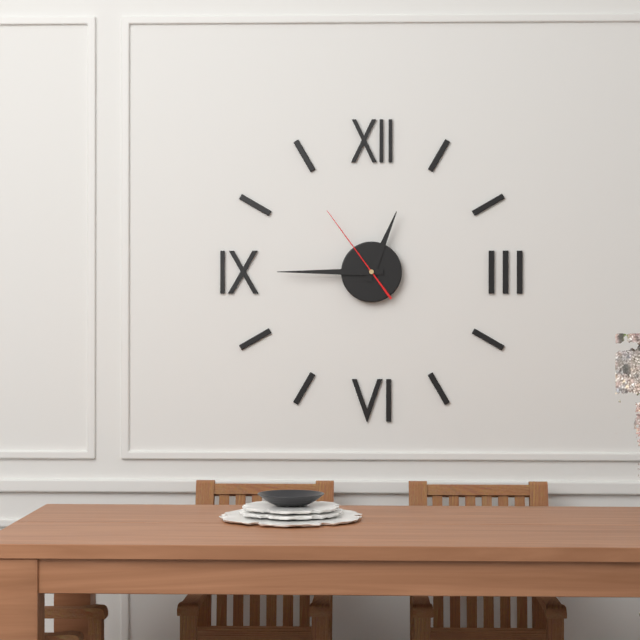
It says h=12 m=45 s=54
